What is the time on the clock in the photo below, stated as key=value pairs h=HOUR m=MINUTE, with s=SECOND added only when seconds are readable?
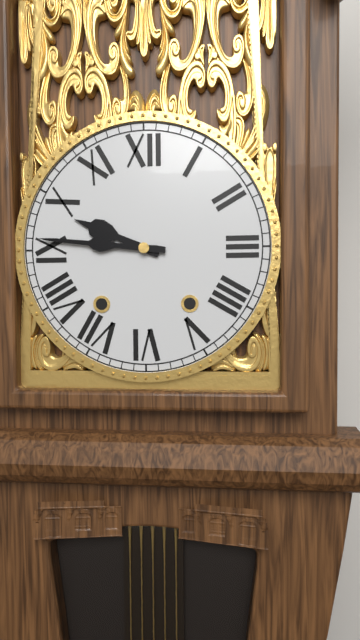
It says h=9 m=46
